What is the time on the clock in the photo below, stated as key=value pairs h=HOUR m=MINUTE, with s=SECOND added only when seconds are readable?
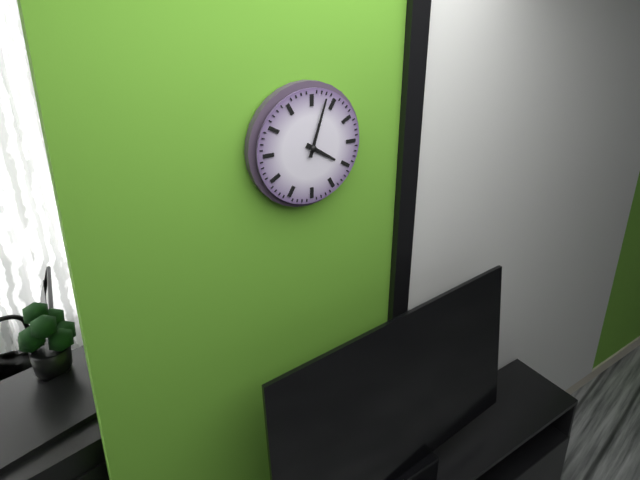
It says h=4 m=3
